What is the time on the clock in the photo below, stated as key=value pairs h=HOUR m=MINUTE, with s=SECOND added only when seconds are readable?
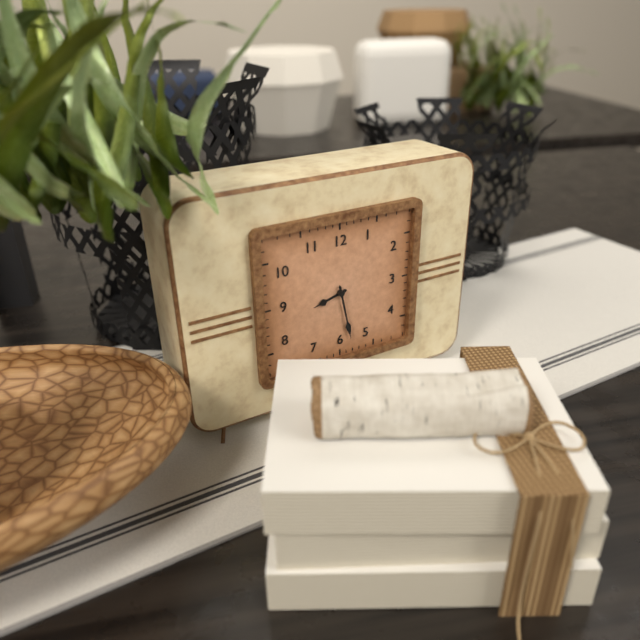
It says h=8 m=28
